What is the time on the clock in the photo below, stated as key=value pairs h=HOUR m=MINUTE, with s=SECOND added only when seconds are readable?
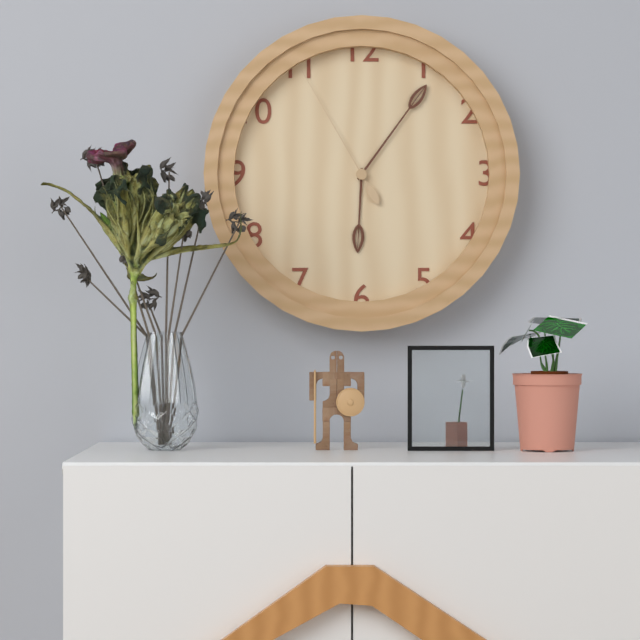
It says h=6 m=6 s=55
